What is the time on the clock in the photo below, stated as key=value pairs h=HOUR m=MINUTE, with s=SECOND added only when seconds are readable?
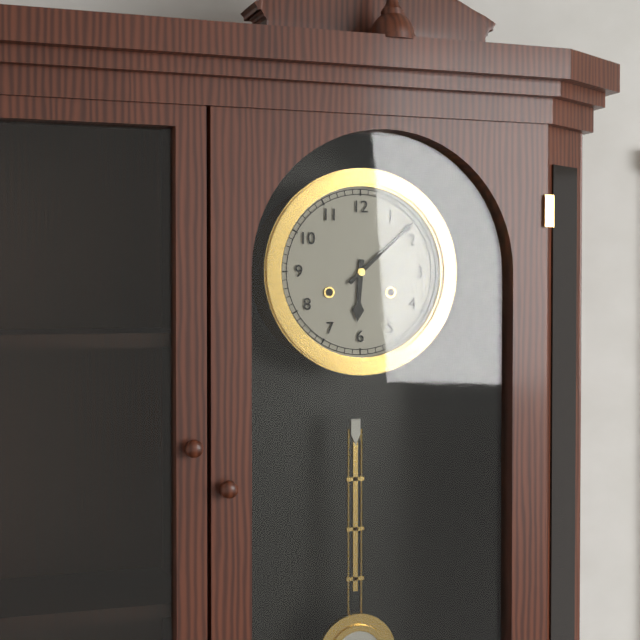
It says h=6 m=8
